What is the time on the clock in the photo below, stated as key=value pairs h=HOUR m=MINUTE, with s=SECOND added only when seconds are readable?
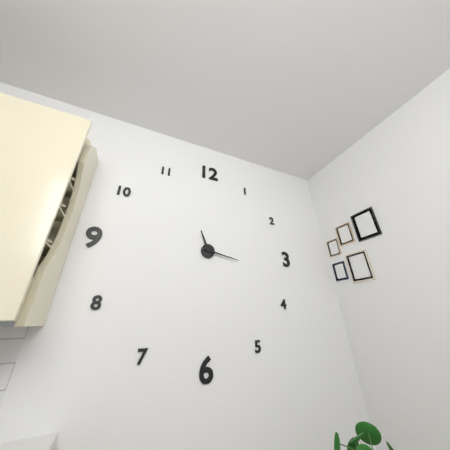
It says h=11 m=17
